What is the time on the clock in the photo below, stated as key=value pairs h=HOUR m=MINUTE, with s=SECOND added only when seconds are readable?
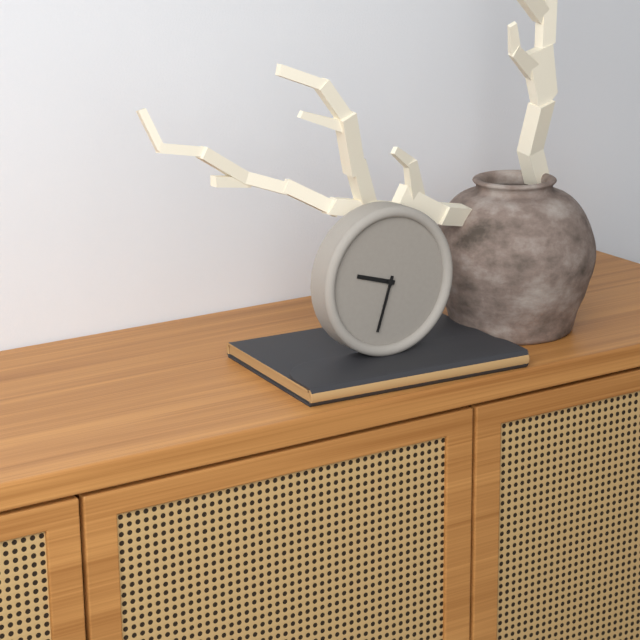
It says h=9 m=33
